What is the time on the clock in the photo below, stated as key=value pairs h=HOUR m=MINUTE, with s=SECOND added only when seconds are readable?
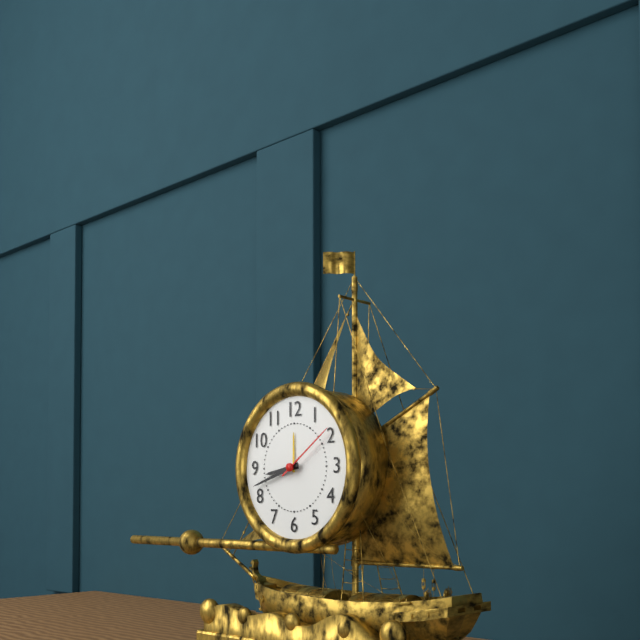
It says h=8 m=42 s=9
